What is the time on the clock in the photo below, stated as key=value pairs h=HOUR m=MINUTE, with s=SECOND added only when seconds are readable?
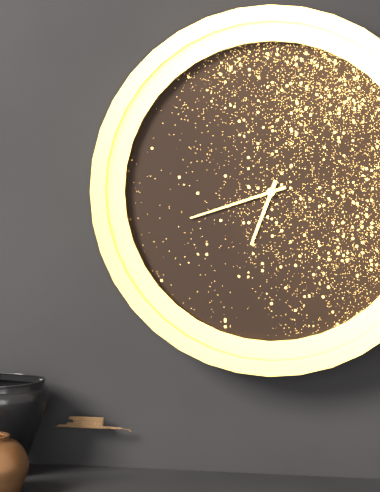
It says h=6 m=42
